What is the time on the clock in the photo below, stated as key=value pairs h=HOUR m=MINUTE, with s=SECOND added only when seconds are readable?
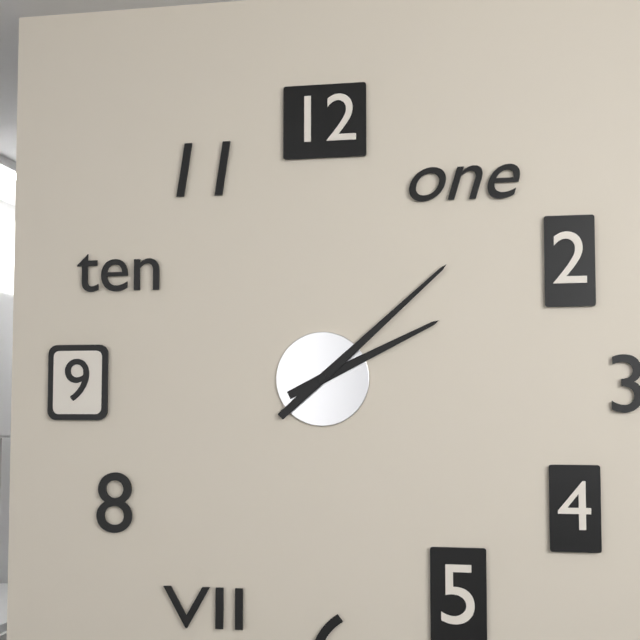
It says h=2 m=8
